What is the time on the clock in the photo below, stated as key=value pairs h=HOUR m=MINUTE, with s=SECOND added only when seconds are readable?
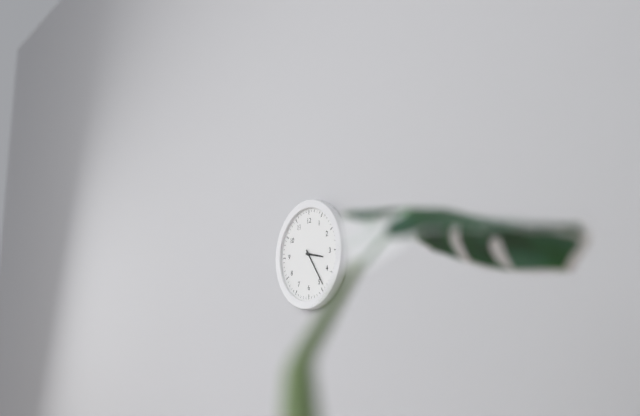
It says h=3 m=24
